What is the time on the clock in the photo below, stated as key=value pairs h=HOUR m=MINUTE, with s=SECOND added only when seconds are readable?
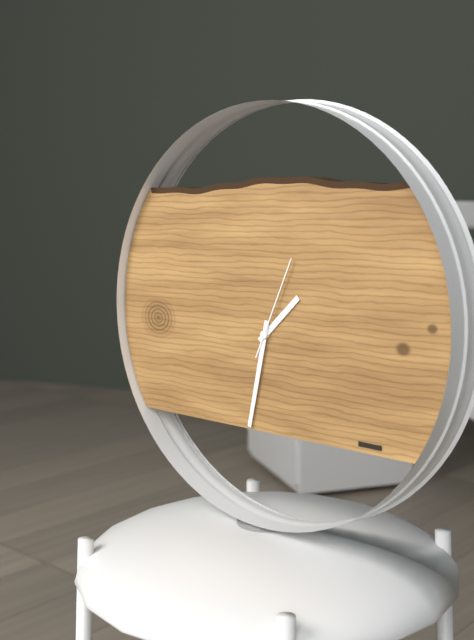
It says h=1 m=32 s=4
